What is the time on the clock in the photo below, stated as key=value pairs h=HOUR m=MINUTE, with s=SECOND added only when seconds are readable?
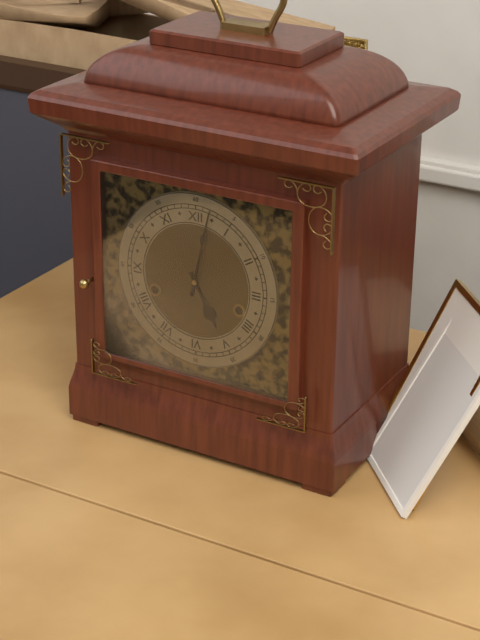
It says h=5 m=2
